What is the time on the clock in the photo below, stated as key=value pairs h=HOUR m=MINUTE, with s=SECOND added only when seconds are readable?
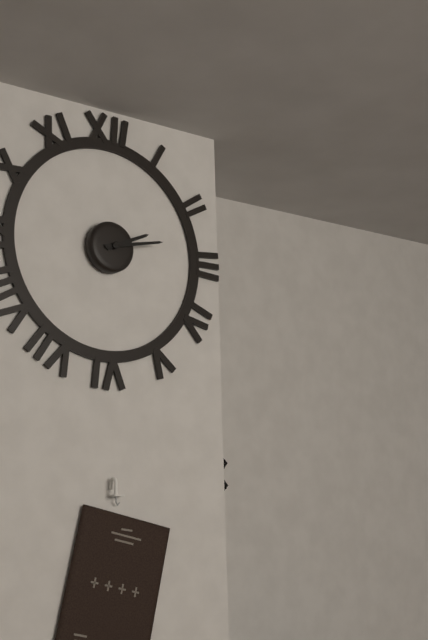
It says h=2 m=13
